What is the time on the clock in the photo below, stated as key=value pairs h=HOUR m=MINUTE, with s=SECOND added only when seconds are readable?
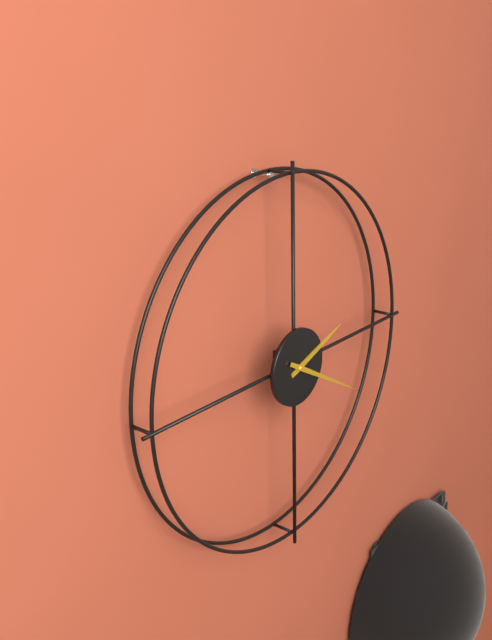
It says h=2 m=20
